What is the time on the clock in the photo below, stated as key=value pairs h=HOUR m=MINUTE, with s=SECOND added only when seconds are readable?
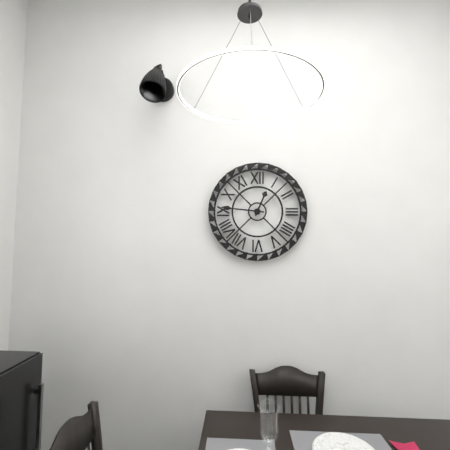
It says h=12 m=46
